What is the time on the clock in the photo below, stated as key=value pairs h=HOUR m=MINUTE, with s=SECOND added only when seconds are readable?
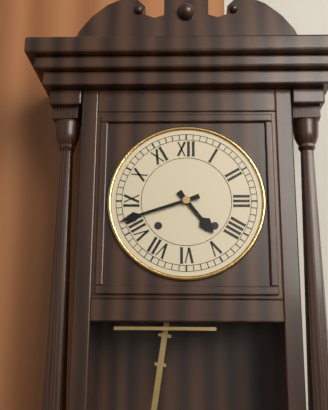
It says h=4 m=42
